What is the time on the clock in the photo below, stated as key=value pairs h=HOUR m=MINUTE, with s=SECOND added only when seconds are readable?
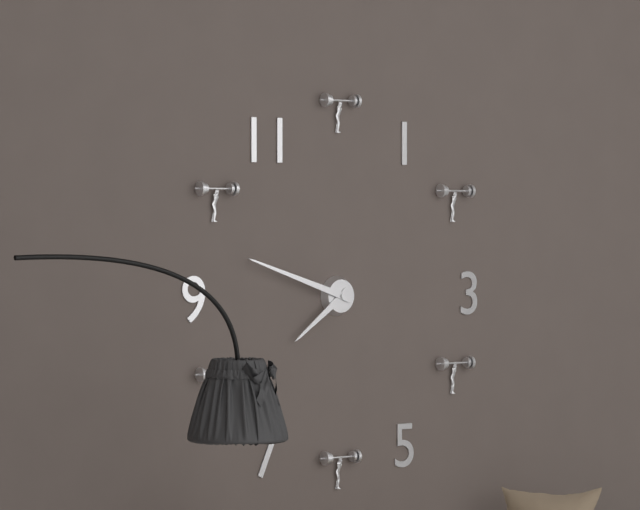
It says h=7 m=48
